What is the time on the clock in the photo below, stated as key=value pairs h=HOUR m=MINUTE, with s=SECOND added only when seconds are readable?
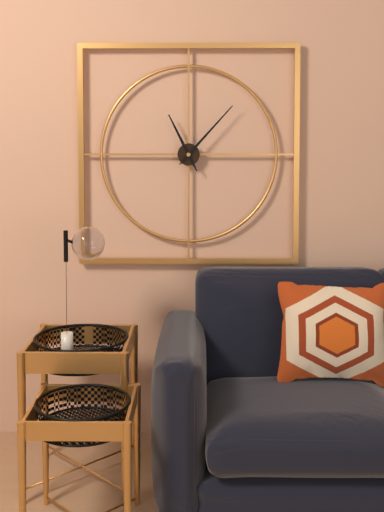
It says h=11 m=7
